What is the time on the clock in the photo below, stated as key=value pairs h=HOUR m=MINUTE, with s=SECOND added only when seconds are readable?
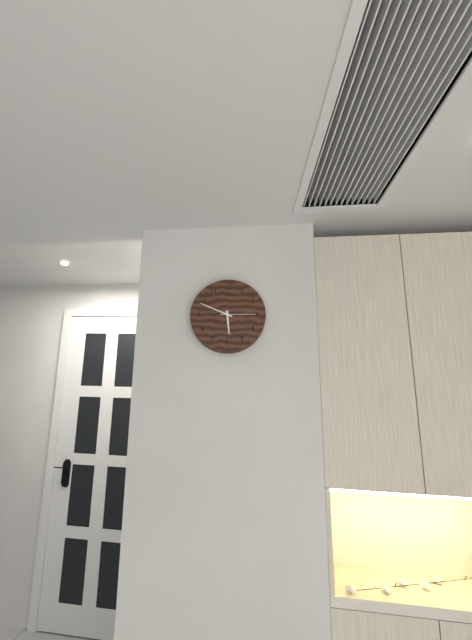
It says h=5 m=49
